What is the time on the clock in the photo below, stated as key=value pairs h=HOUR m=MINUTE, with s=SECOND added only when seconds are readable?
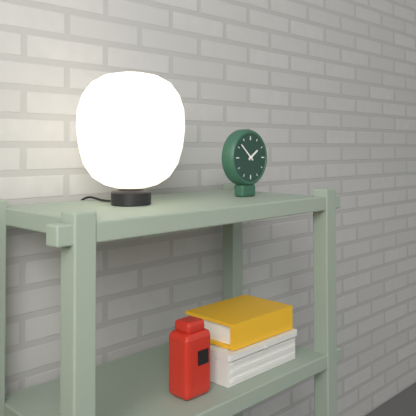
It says h=1 m=52
